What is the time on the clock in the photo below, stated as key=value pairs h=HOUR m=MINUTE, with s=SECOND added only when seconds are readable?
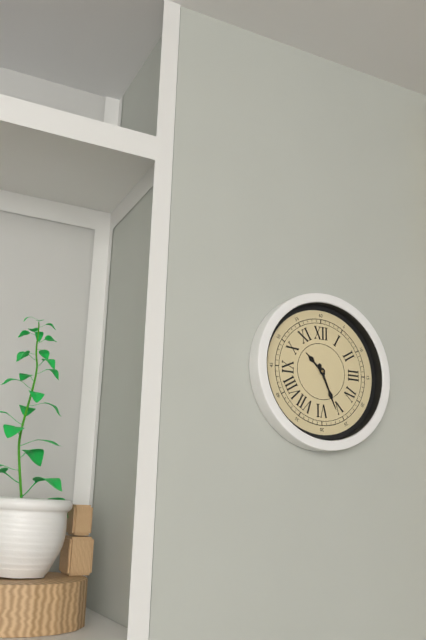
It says h=10 m=26
